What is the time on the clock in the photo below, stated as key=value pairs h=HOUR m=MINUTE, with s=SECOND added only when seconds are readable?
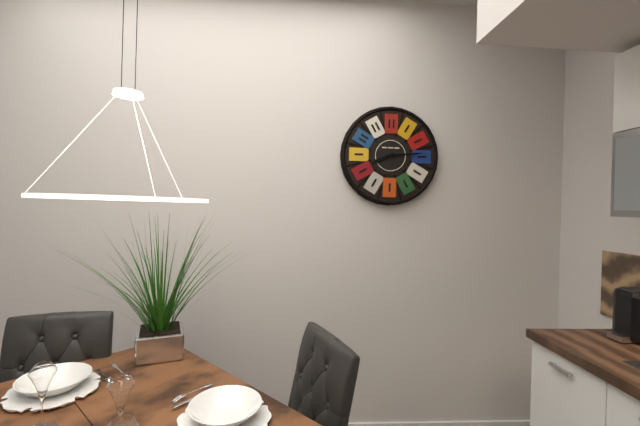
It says h=8 m=14
